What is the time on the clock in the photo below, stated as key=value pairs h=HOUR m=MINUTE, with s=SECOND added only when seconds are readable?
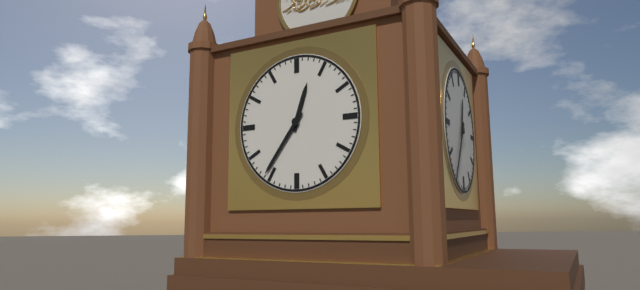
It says h=12 m=36
